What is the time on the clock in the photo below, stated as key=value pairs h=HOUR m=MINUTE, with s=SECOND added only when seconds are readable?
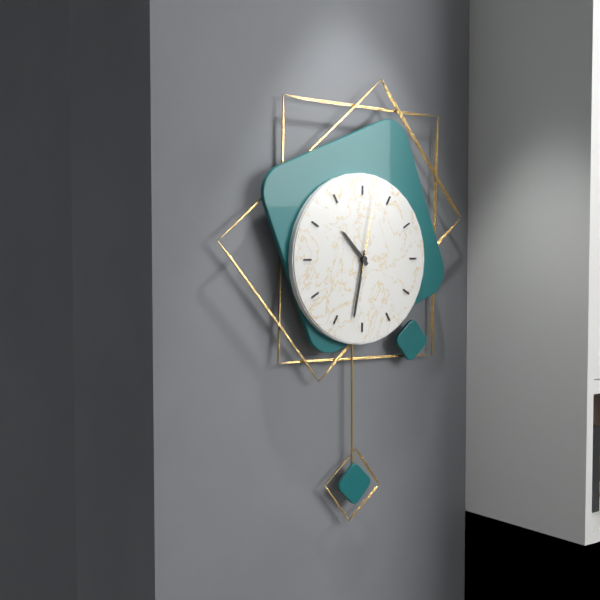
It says h=10 m=32 s=2
